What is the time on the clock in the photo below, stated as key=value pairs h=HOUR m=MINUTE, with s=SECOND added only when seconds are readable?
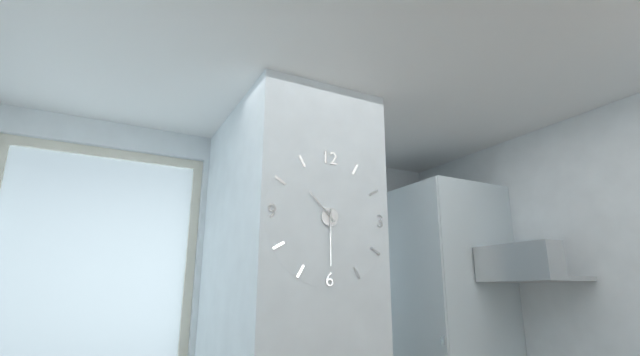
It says h=10 m=30
